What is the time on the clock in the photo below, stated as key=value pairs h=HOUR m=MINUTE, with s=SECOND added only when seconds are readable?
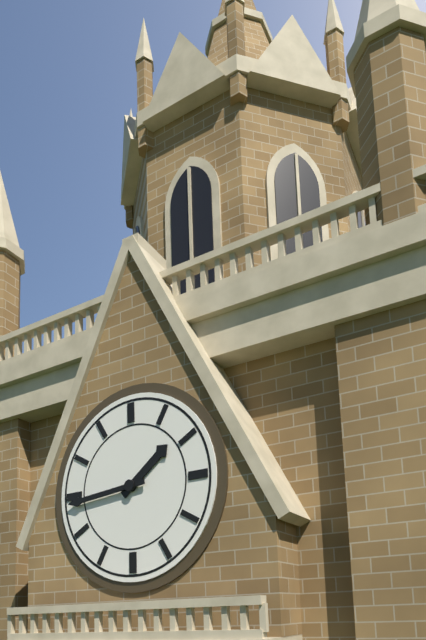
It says h=1 m=44
